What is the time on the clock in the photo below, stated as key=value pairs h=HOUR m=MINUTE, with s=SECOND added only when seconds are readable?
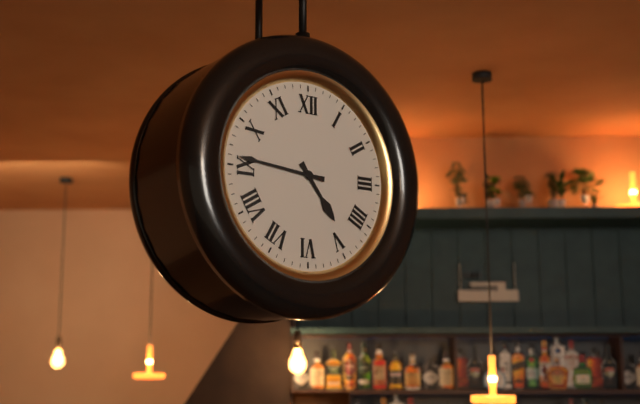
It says h=4 m=46
